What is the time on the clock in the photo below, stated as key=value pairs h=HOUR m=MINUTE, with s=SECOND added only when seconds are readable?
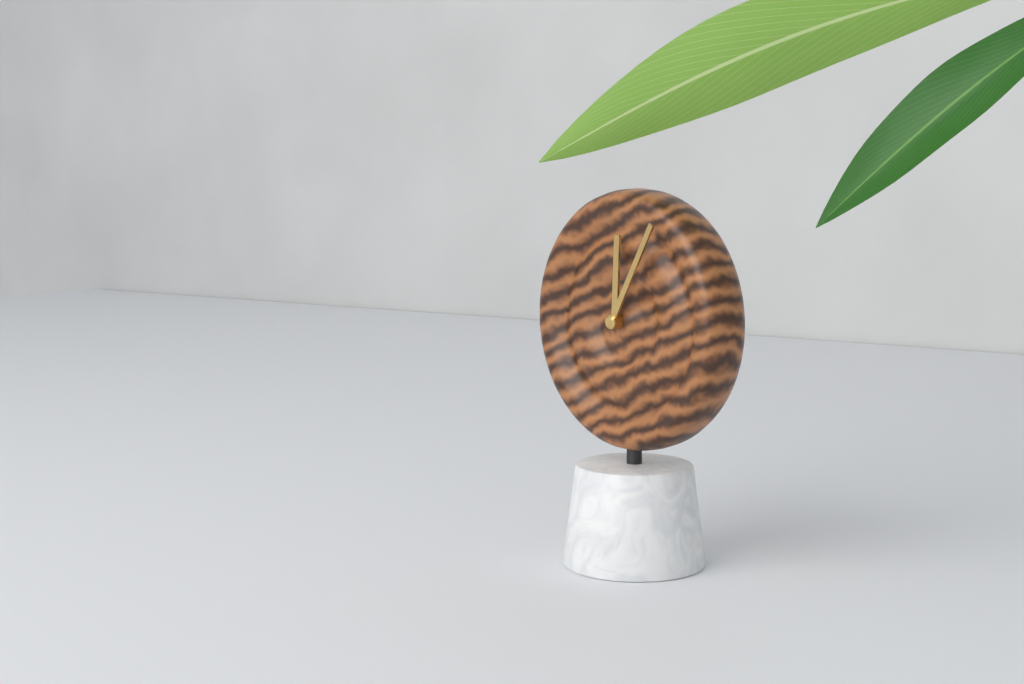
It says h=12 m=5
